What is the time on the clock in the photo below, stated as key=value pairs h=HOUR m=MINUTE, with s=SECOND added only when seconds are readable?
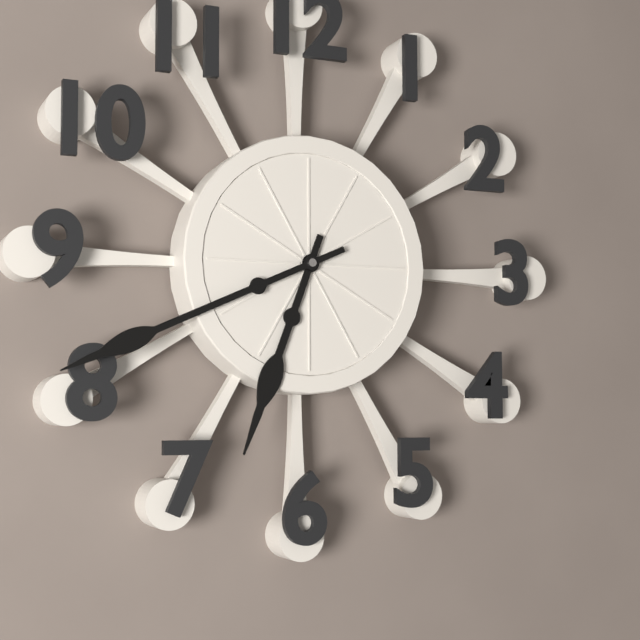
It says h=6 m=41
